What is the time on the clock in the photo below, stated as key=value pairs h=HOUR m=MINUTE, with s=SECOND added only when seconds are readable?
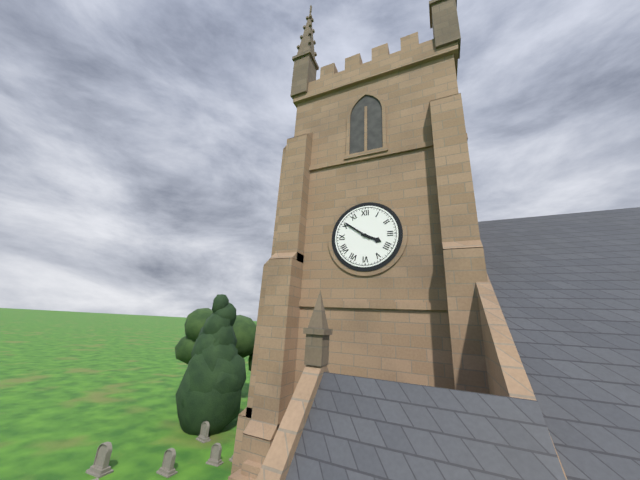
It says h=3 m=51
